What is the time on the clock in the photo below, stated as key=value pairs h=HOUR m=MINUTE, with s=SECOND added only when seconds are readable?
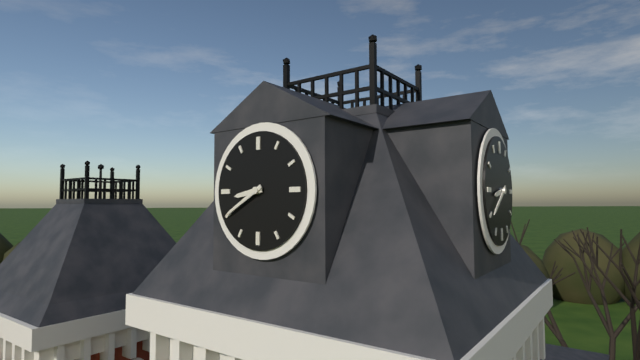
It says h=8 m=40
